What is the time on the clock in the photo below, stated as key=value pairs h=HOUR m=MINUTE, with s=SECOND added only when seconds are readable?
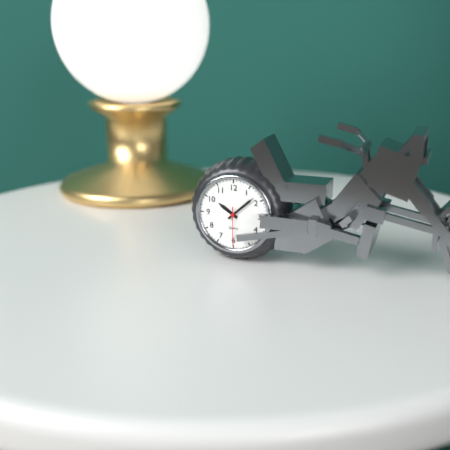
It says h=10 m=8
